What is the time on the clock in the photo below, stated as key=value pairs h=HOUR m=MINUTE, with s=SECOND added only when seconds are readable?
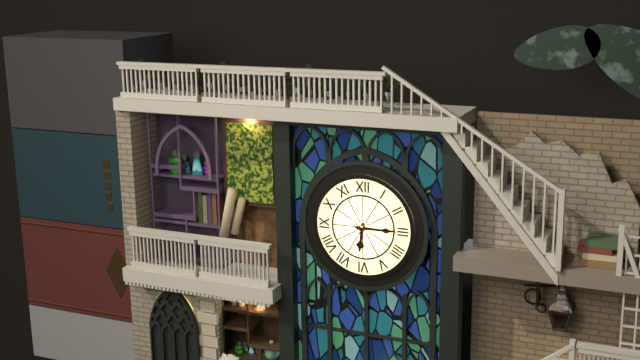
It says h=6 m=15
